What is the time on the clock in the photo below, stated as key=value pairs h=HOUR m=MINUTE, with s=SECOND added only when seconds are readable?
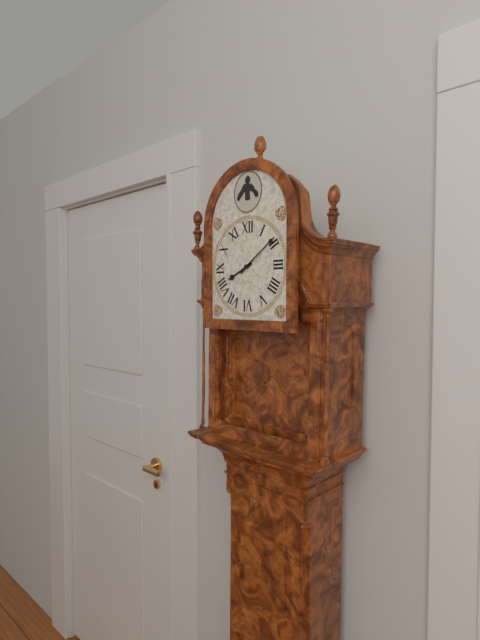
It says h=8 m=9
